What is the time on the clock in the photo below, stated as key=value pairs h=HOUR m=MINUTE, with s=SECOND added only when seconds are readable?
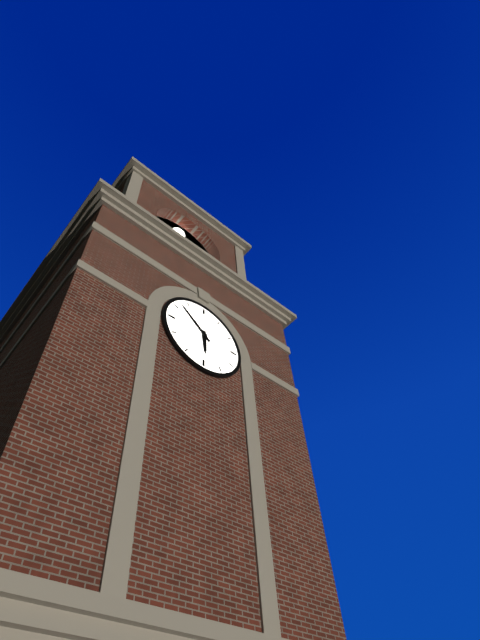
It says h=5 m=52
